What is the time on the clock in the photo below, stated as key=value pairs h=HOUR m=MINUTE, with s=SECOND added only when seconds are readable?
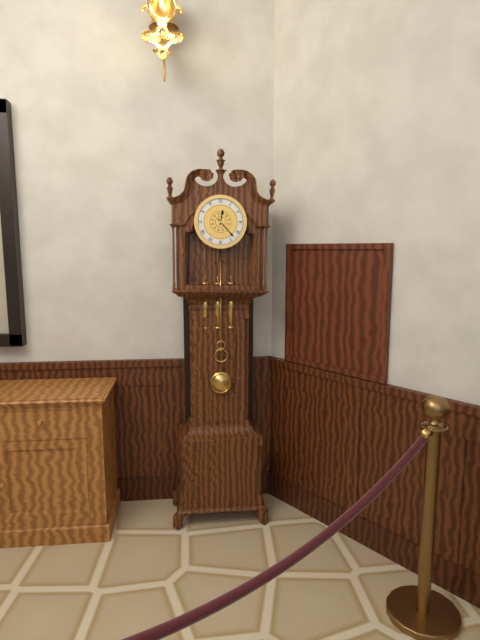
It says h=12 m=23
